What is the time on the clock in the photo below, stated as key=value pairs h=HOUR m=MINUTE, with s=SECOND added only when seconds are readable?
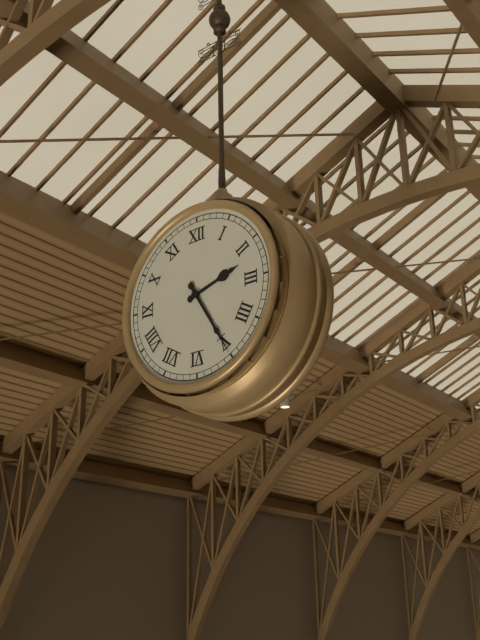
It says h=2 m=25
